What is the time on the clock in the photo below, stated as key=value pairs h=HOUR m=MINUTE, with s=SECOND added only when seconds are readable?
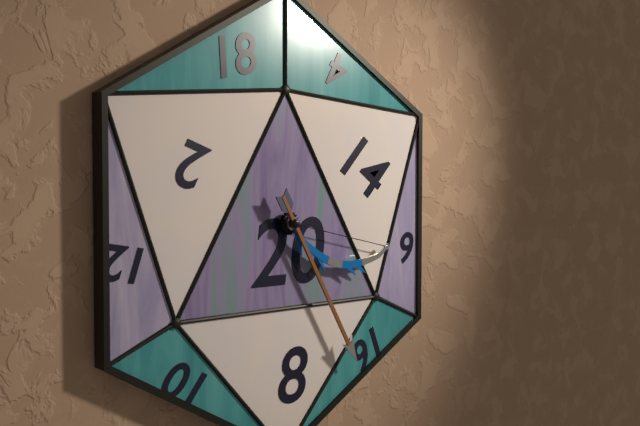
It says h=3 m=25
